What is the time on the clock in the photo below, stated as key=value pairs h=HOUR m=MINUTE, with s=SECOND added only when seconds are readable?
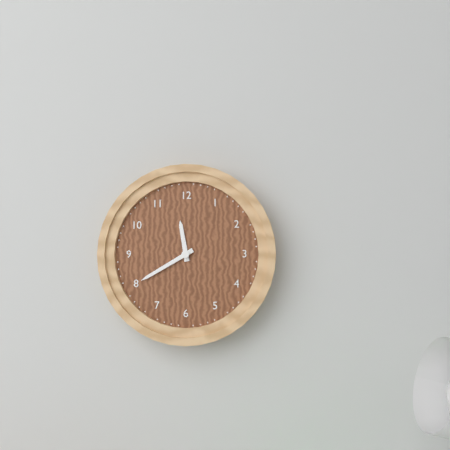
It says h=11 m=40
